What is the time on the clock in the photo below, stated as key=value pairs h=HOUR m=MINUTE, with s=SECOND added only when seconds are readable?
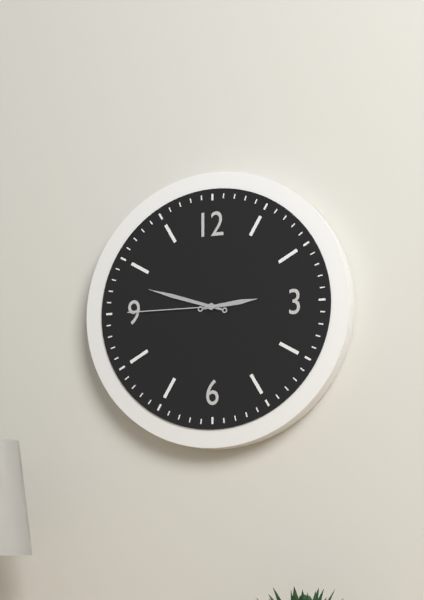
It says h=2 m=48 s=45
